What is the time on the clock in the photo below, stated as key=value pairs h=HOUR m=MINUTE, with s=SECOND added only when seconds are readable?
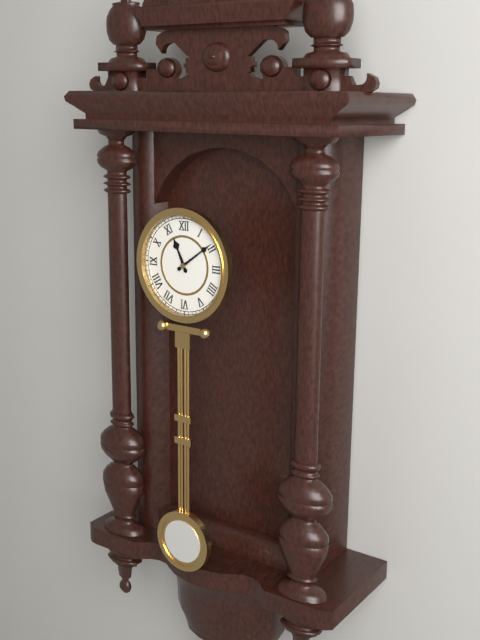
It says h=11 m=9
